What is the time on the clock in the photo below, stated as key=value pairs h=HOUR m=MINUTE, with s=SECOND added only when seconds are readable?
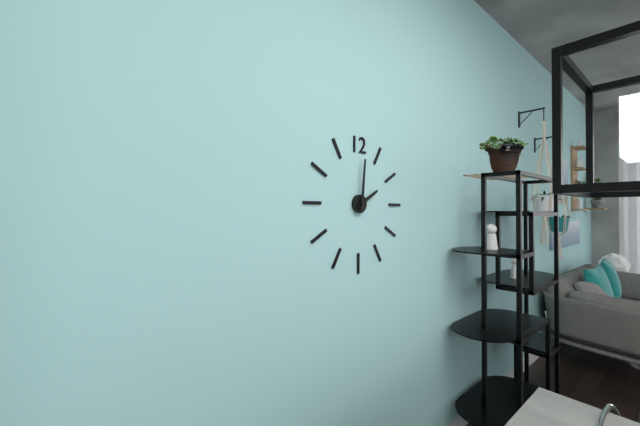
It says h=2 m=1
